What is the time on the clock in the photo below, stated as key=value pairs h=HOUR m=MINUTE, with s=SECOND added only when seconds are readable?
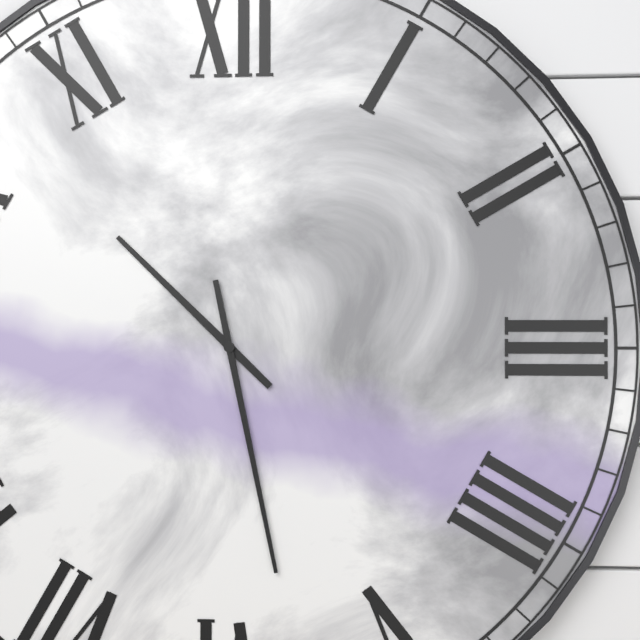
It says h=10 m=28
